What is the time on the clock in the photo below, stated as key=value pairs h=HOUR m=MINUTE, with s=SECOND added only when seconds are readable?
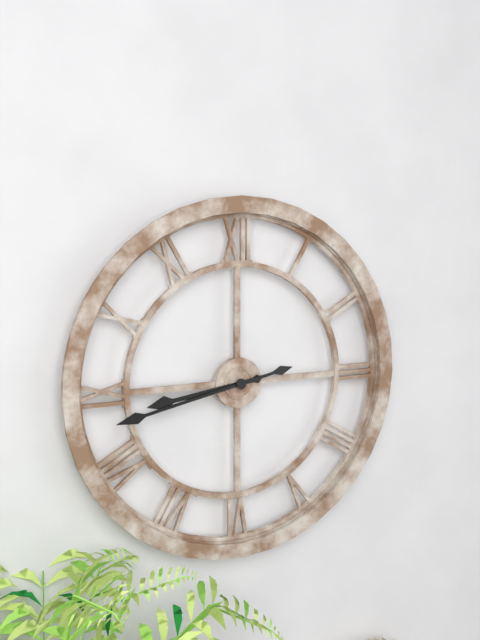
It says h=8 m=43
